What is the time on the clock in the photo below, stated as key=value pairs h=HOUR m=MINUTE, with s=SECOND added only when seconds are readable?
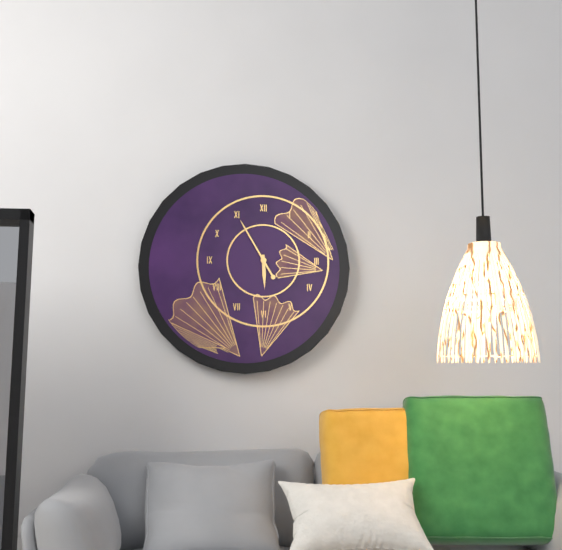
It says h=5 m=55
